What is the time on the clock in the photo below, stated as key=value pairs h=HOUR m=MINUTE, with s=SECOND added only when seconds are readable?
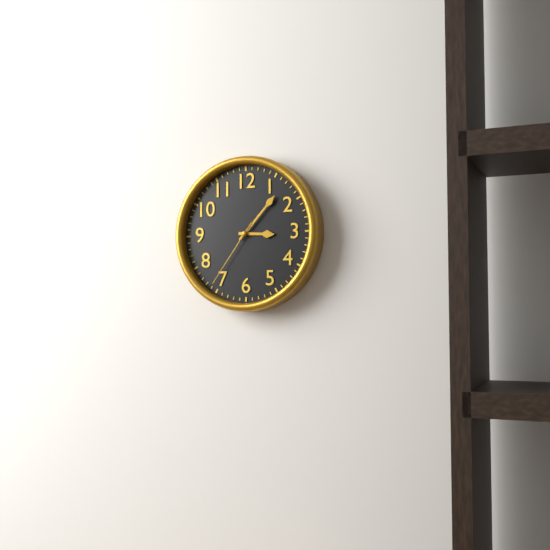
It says h=3 m=7 s=36
